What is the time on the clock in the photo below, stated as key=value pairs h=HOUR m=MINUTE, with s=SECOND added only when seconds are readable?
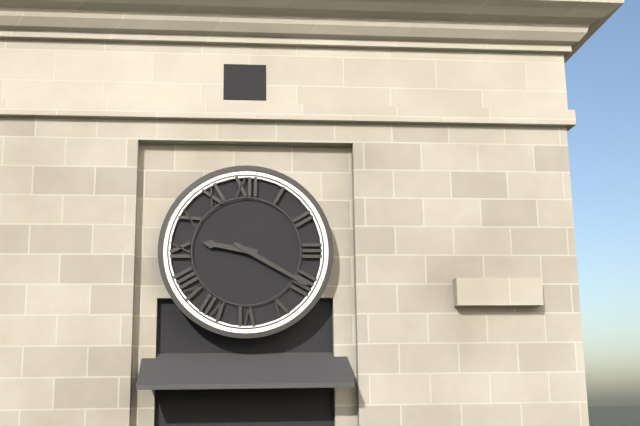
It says h=9 m=20
